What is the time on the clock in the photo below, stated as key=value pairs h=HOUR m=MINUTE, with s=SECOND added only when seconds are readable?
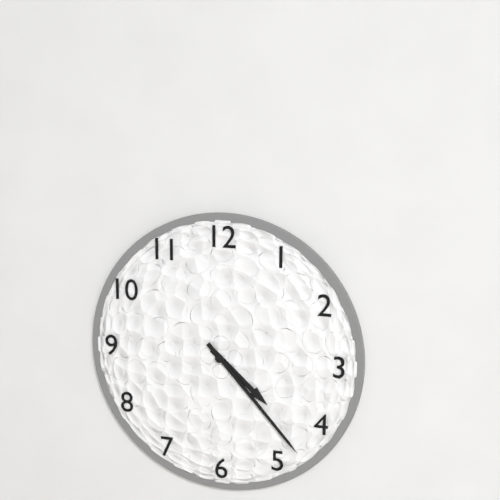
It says h=4 m=23
